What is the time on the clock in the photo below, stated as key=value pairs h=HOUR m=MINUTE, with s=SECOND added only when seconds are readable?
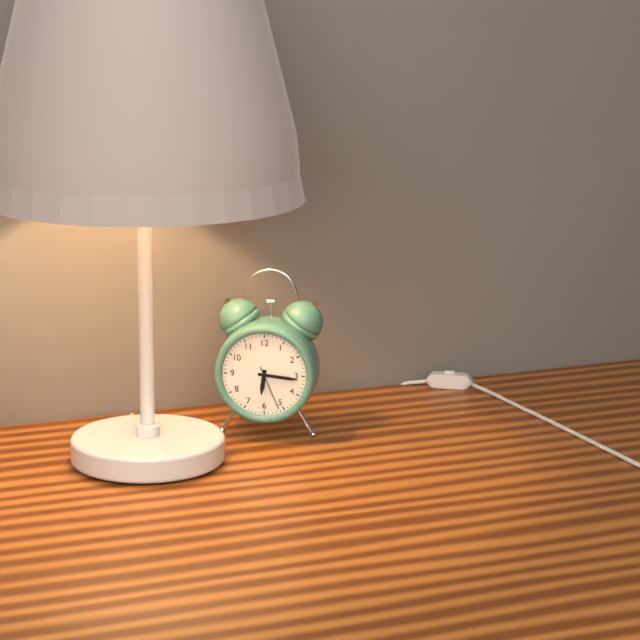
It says h=6 m=16
